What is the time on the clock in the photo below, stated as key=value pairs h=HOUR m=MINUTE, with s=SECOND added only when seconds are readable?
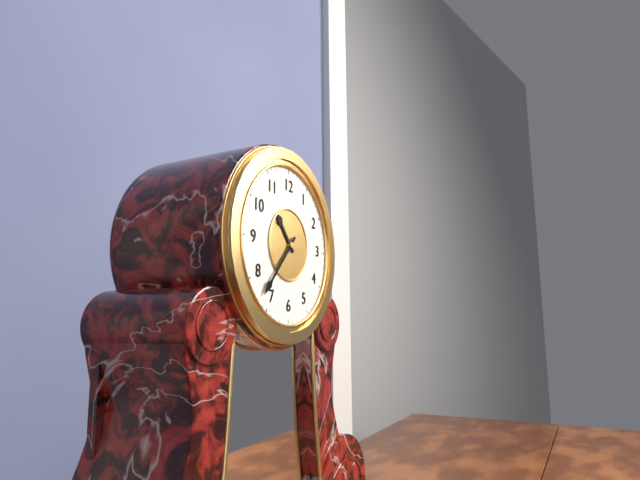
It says h=10 m=37
